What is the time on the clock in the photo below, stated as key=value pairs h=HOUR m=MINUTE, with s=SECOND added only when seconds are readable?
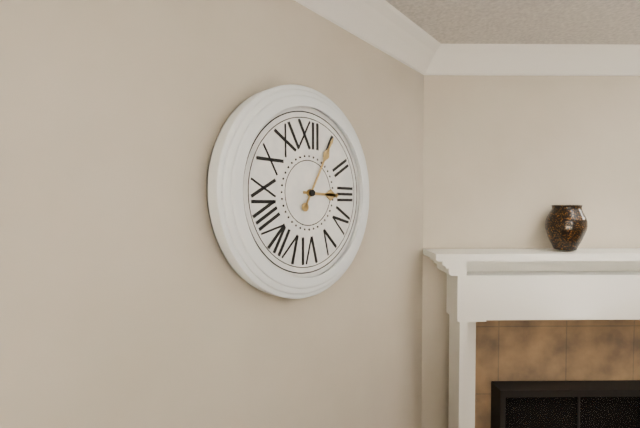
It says h=3 m=5
